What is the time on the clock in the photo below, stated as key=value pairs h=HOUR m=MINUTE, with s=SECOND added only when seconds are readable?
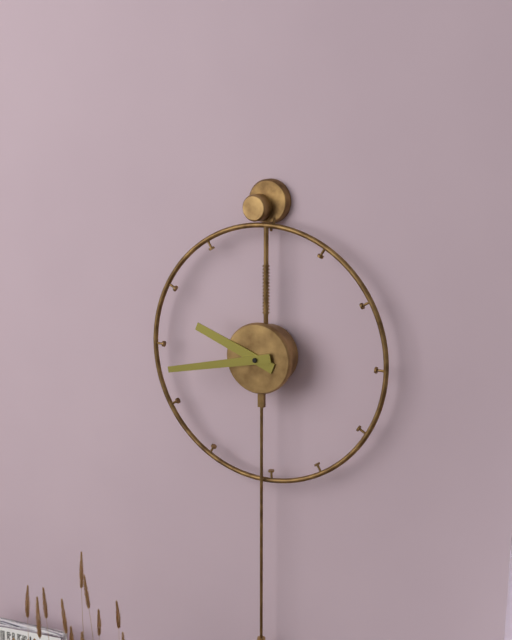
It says h=9 m=43
